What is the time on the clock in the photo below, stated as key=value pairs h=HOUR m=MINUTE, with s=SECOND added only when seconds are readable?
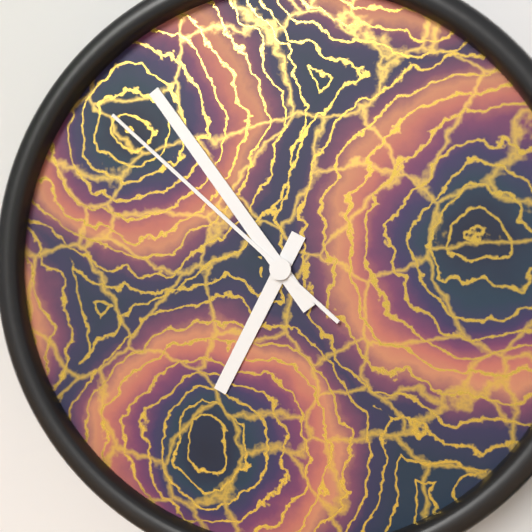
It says h=6 m=54 s=52
